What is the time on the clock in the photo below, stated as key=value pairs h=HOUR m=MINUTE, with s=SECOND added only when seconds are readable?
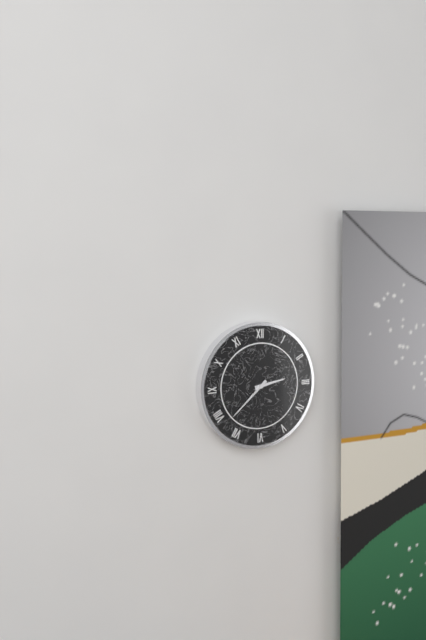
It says h=2 m=38
